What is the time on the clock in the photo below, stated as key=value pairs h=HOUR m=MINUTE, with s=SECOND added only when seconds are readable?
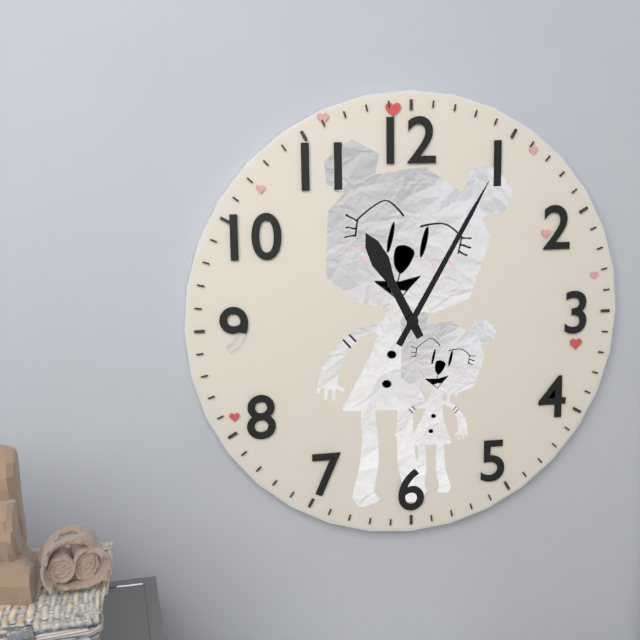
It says h=11 m=5
